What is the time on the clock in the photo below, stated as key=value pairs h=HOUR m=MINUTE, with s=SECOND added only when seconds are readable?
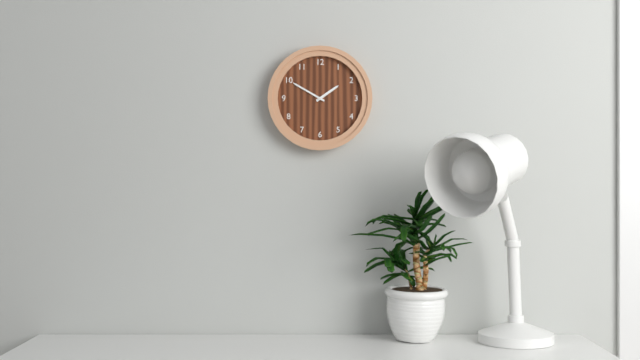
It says h=1 m=50
